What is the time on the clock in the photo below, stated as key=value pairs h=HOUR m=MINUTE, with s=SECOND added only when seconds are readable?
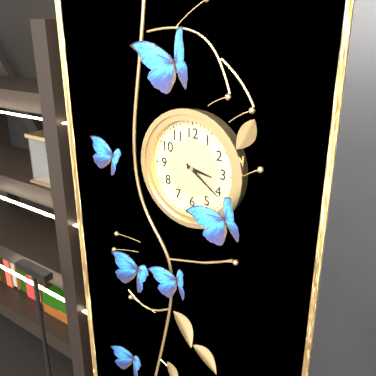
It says h=3 m=21
